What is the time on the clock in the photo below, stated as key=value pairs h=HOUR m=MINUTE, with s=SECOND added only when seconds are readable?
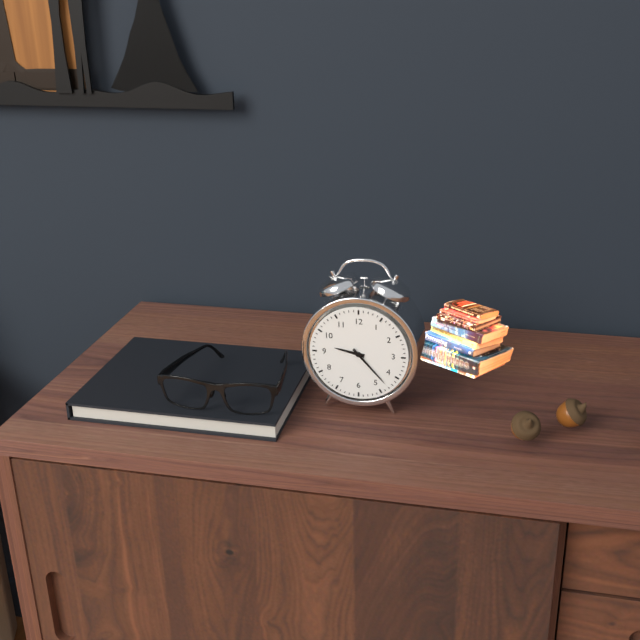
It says h=9 m=23
